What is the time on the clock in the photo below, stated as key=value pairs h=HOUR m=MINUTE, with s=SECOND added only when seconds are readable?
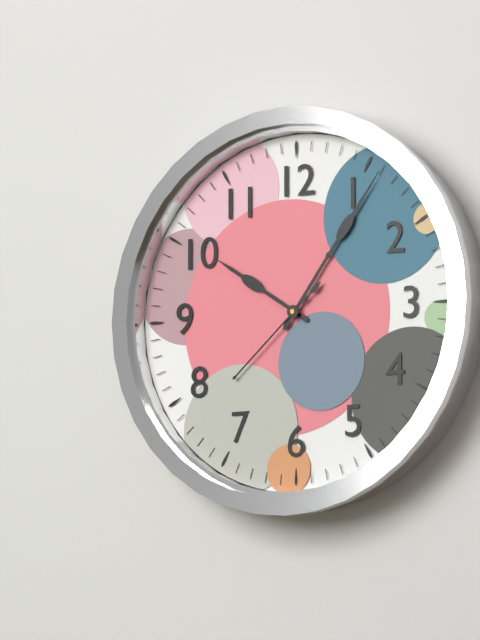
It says h=10 m=6 s=38
